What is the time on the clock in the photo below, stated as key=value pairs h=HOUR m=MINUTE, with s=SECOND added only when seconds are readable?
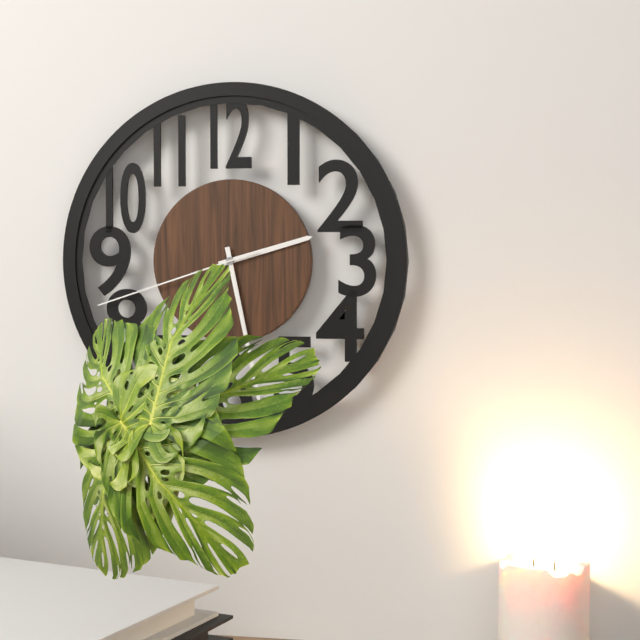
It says h=2 m=28 s=42
